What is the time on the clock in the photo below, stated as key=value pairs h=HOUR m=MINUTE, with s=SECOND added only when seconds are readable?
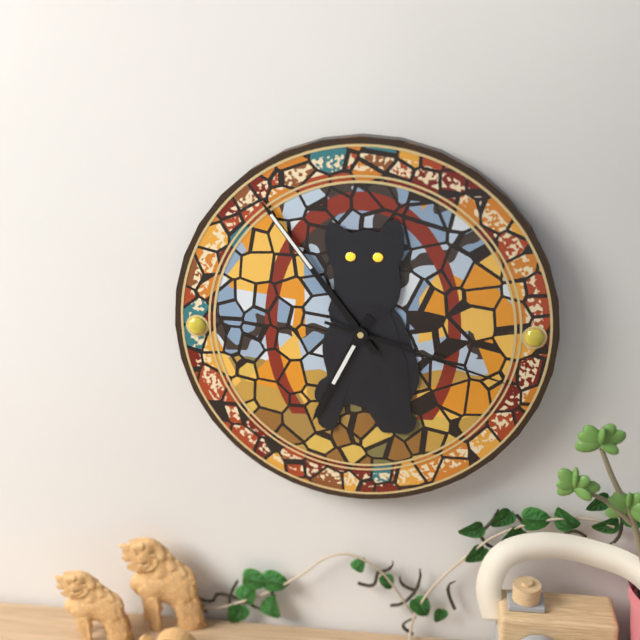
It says h=6 m=54 s=18
